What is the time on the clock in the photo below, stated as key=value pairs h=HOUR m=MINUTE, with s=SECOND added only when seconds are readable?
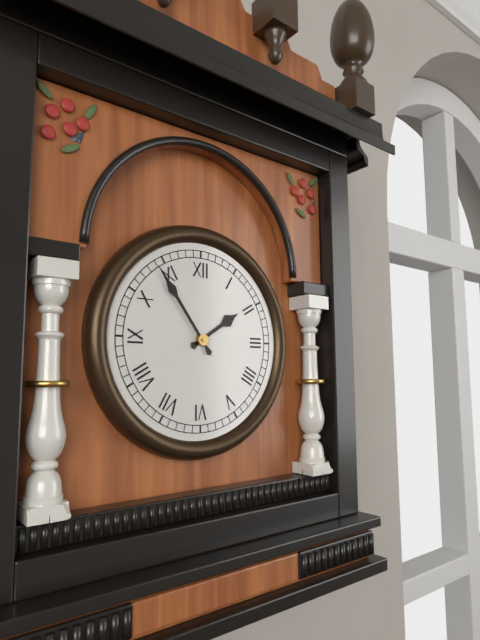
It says h=1 m=54
